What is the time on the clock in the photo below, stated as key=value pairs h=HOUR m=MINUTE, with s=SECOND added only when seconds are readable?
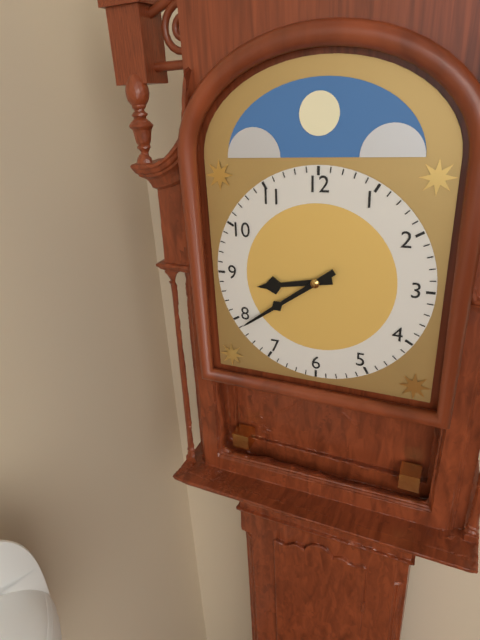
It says h=8 m=39
